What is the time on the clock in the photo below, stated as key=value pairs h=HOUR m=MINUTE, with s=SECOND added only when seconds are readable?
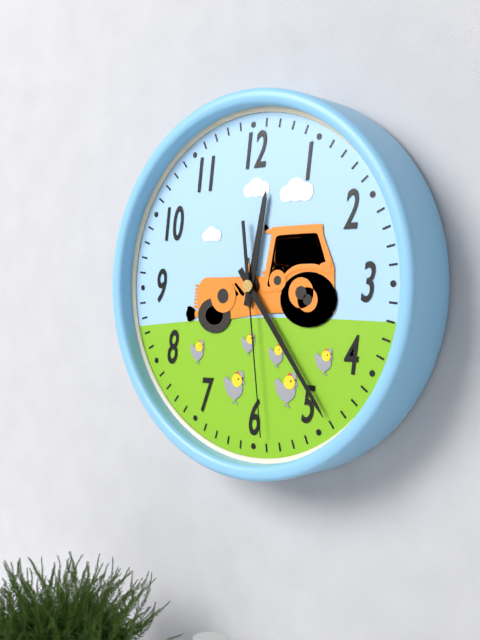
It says h=12 m=24 s=29
